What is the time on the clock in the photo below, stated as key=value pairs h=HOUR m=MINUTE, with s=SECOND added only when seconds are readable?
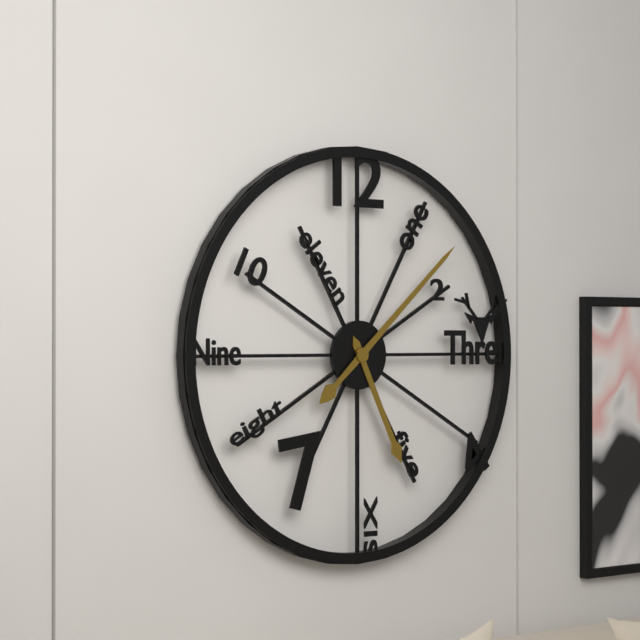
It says h=5 m=8
